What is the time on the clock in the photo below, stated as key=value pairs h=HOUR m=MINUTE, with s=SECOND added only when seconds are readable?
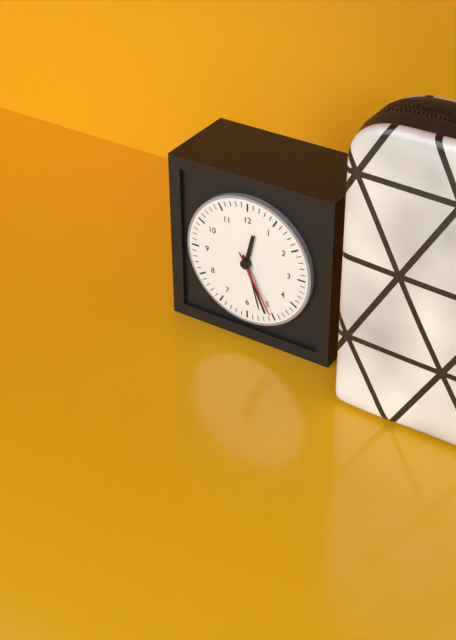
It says h=12 m=26 s=25
